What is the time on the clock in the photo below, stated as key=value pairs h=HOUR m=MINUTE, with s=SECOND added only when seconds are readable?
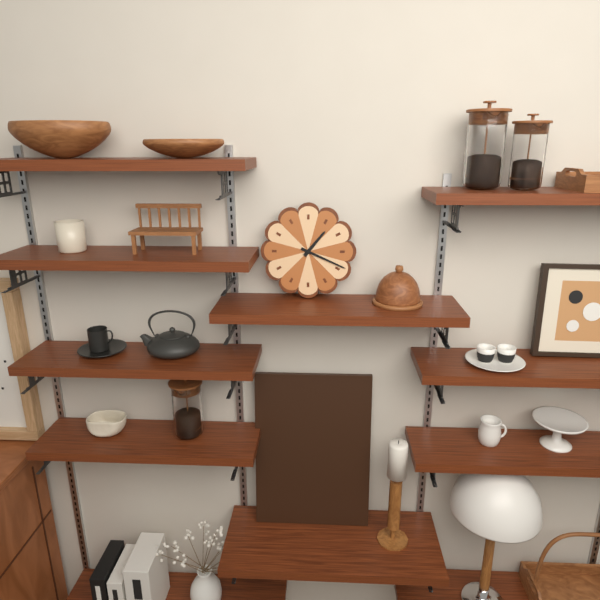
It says h=1 m=19
